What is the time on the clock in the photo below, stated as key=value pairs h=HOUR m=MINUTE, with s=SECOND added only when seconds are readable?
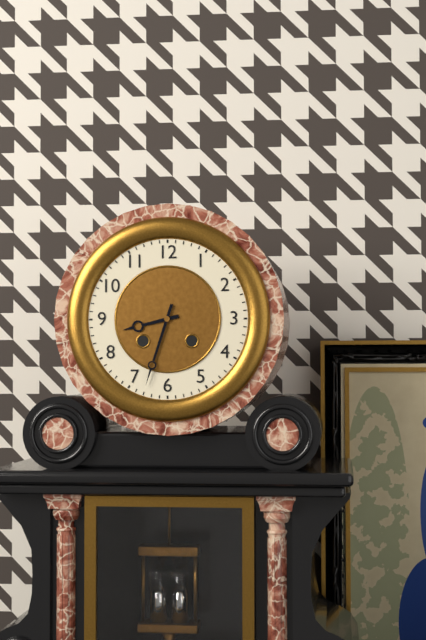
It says h=8 m=33
